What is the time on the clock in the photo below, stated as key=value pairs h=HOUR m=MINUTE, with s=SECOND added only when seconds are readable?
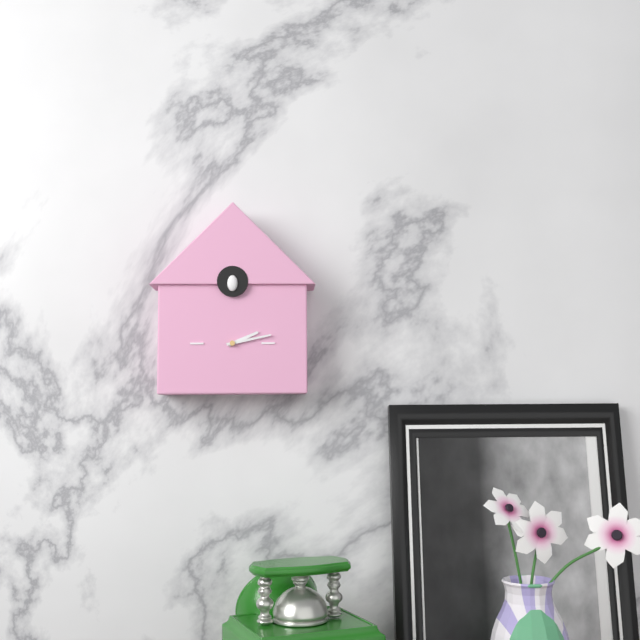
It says h=2 m=13
